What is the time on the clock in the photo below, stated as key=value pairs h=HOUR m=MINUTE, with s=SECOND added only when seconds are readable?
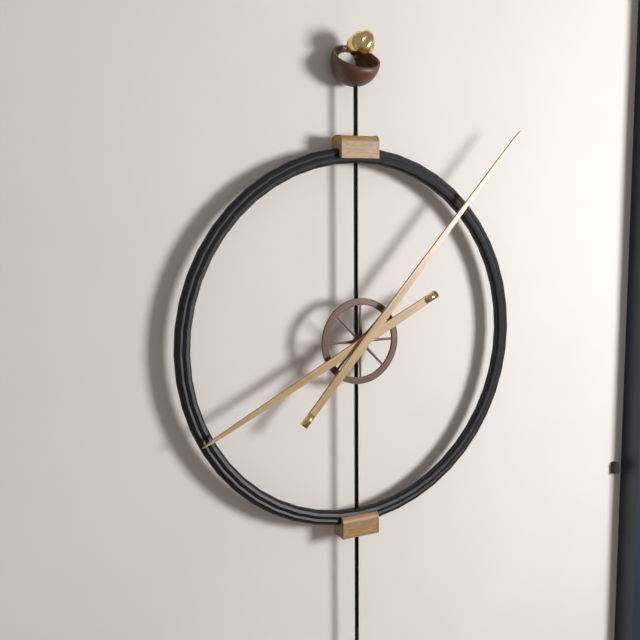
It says h=8 m=7
